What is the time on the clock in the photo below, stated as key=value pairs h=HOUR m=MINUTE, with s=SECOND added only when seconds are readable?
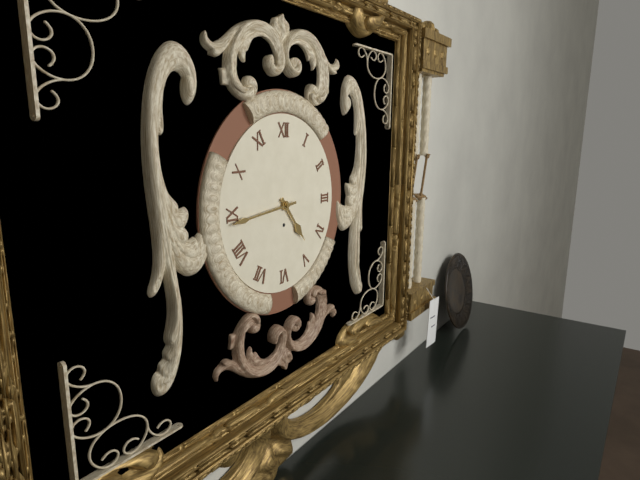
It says h=4 m=44
